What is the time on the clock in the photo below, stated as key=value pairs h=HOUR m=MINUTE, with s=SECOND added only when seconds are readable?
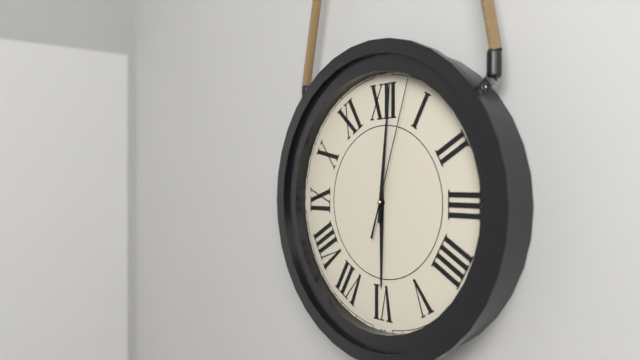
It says h=6 m=1 s=3
